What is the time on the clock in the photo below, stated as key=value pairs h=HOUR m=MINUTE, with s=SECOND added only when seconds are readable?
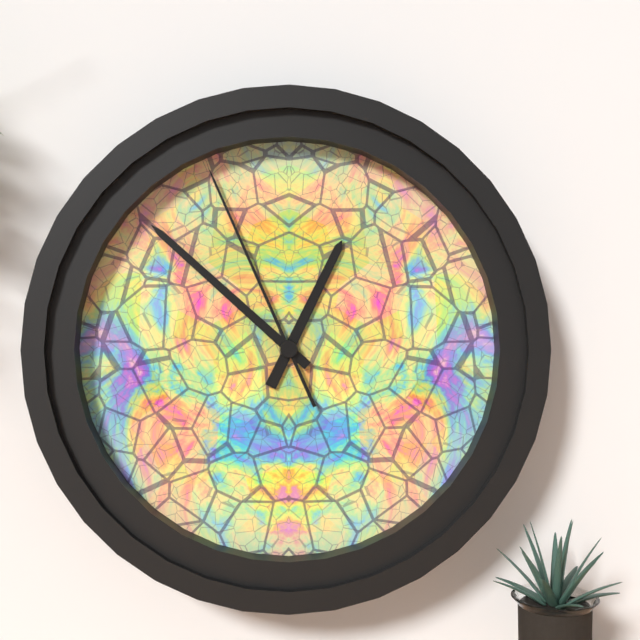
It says h=12 m=52 s=56
